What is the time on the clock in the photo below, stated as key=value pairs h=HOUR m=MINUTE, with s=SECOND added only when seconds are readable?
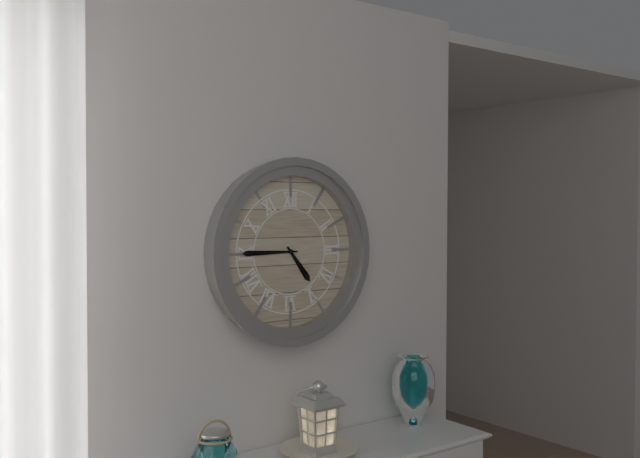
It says h=4 m=45
